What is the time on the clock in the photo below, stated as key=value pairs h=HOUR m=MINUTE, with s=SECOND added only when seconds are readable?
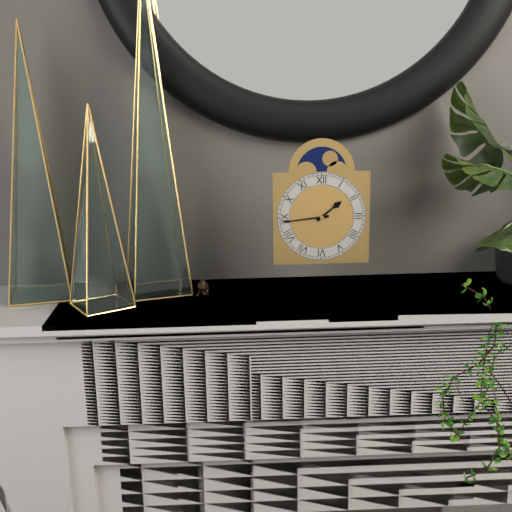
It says h=1 m=44
